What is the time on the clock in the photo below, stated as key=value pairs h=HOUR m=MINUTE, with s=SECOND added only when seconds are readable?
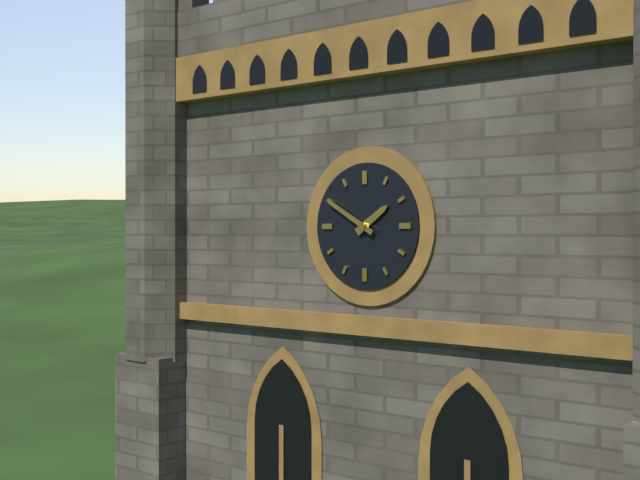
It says h=1 m=50
